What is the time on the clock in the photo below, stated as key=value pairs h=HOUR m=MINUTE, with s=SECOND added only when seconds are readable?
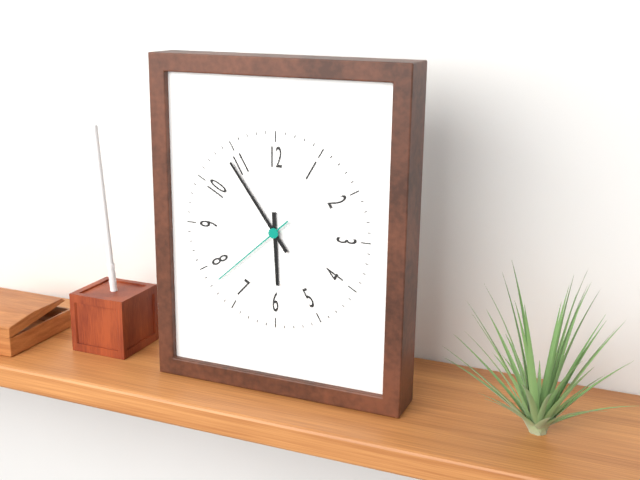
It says h=5 m=54 s=38
